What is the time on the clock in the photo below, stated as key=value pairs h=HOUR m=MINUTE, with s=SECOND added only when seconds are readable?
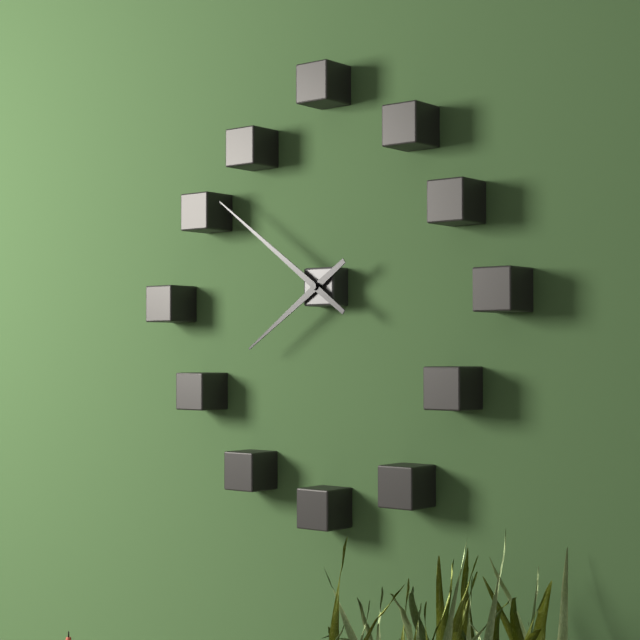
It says h=7 m=51
